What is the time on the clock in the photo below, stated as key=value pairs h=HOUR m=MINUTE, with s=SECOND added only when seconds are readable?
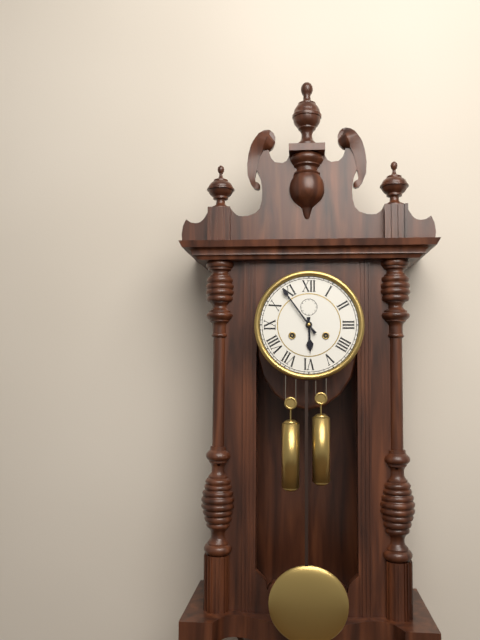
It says h=5 m=54
